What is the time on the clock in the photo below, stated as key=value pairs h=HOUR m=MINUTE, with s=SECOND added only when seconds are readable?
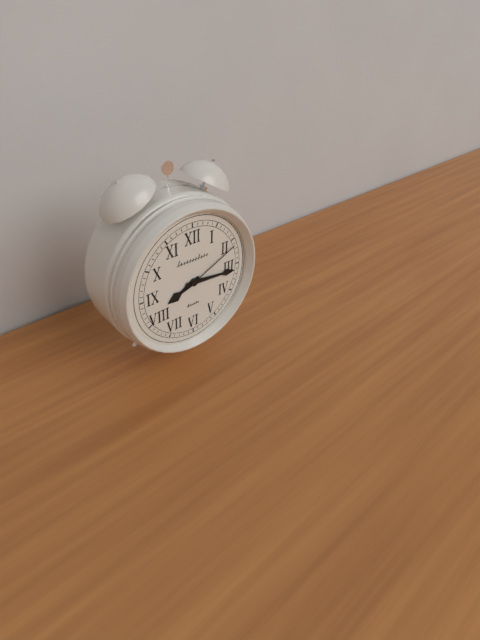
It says h=8 m=16 s=11
